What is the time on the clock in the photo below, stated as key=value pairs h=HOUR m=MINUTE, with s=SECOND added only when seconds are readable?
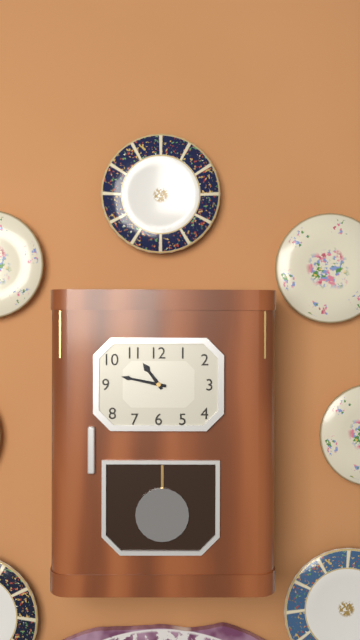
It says h=10 m=47
